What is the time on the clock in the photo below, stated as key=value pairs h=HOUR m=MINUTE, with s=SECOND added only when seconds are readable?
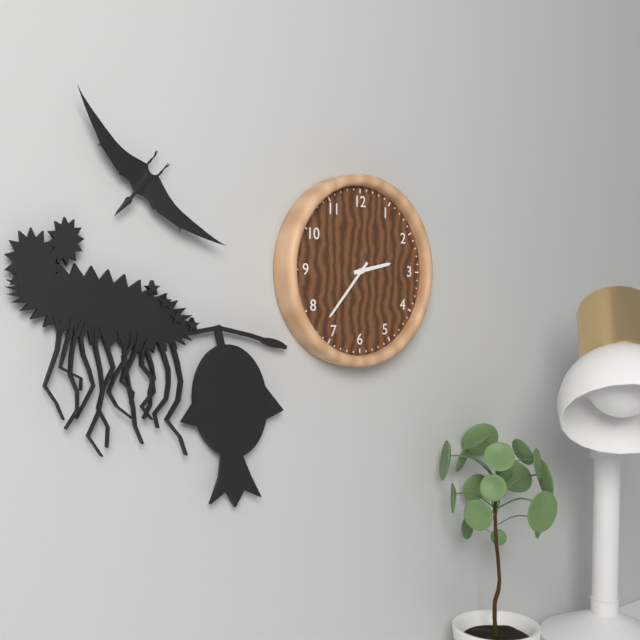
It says h=2 m=37
